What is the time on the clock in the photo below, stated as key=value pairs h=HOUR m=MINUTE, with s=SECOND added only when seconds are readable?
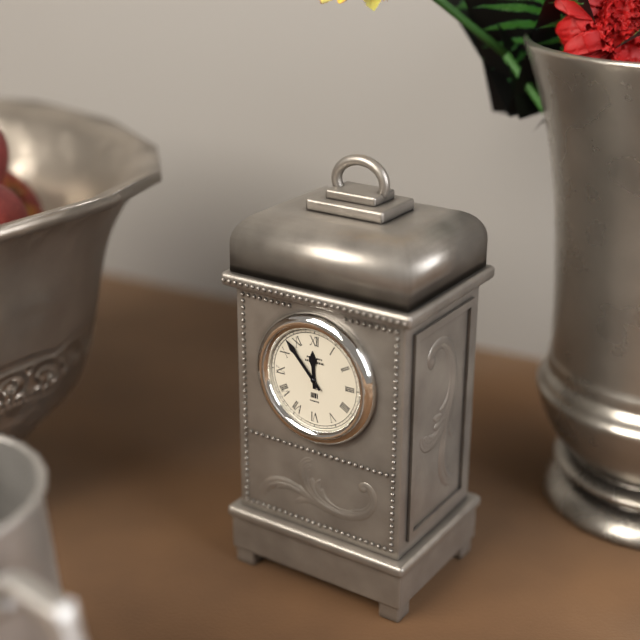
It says h=11 m=53
